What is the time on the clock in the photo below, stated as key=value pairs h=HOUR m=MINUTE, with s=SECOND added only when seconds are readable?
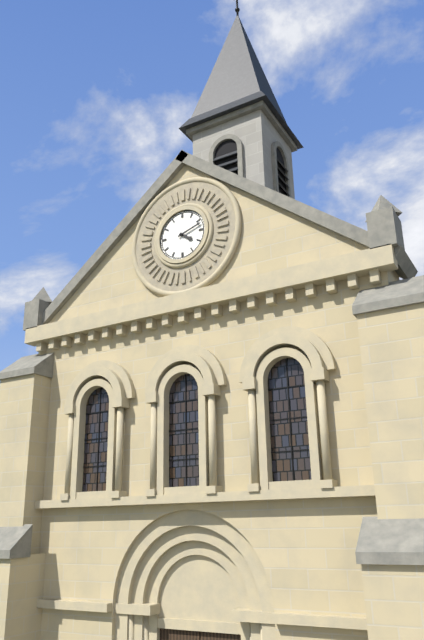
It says h=4 m=12
